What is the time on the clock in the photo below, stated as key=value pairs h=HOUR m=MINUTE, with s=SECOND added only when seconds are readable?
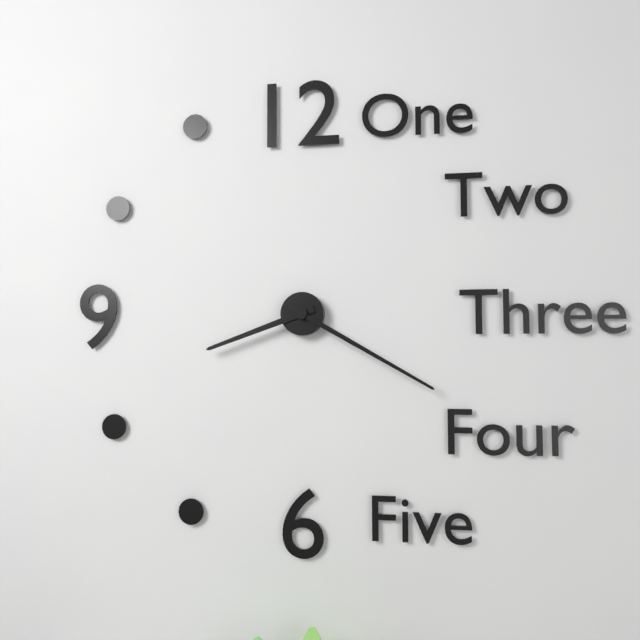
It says h=8 m=20
